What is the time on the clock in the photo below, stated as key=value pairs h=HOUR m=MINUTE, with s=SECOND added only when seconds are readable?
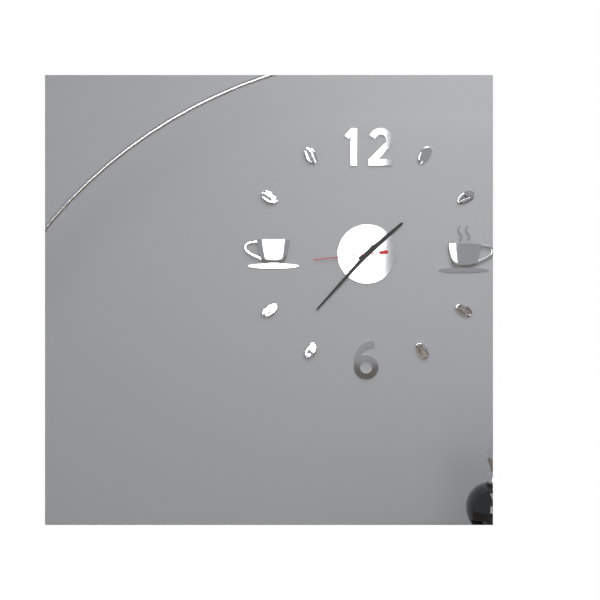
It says h=1 m=37 s=44
